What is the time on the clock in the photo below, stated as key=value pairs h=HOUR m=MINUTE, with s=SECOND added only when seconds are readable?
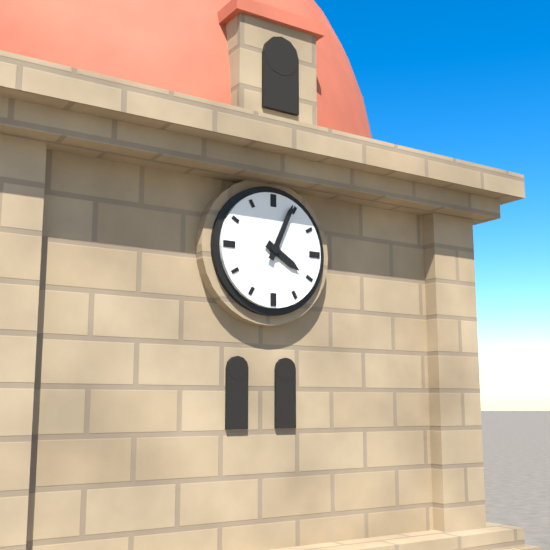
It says h=4 m=4
